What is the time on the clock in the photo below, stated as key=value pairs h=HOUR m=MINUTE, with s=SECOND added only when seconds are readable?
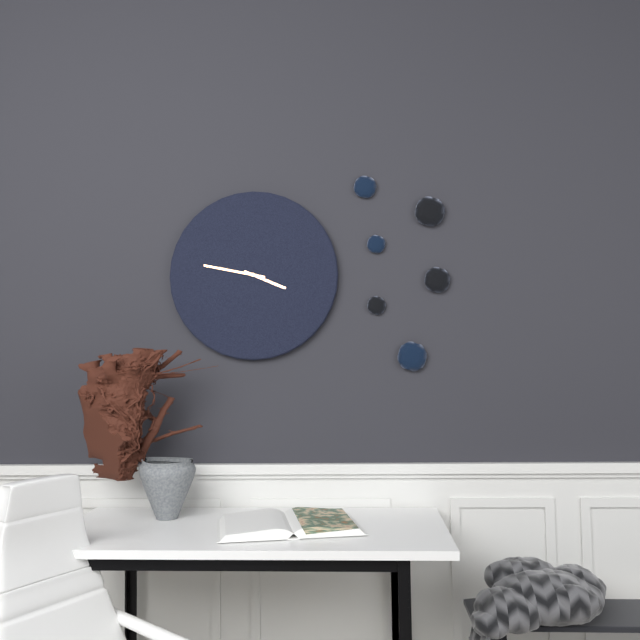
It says h=3 m=47
